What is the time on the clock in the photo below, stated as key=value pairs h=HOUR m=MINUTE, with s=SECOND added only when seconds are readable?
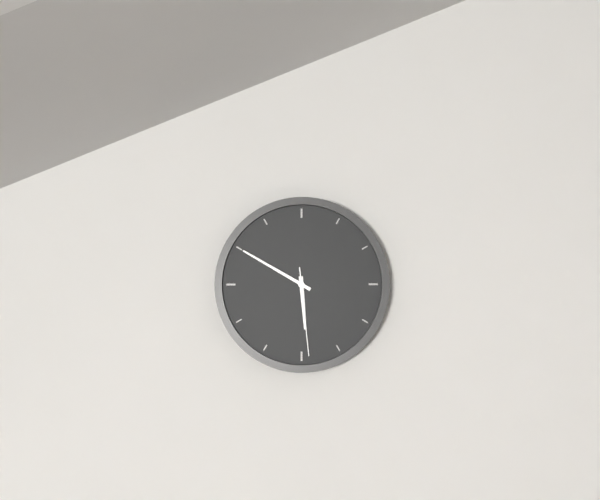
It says h=5 m=50 s=29
